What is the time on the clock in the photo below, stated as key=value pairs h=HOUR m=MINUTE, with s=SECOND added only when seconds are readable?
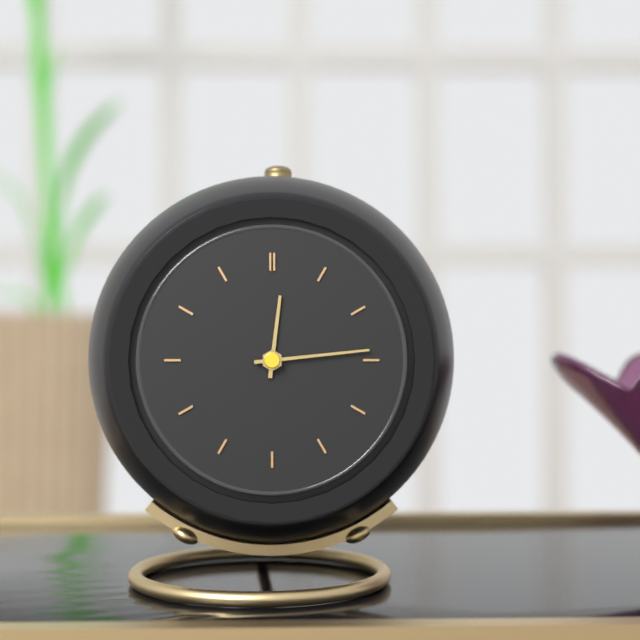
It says h=12 m=14
